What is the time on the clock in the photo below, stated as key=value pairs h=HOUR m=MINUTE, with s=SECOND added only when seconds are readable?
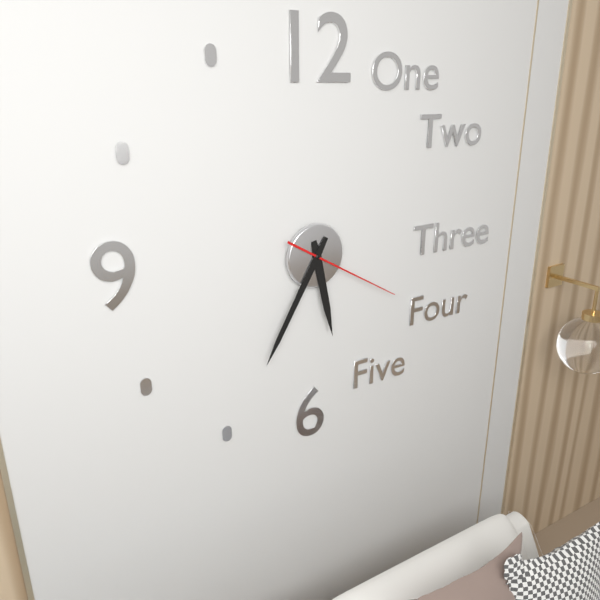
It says h=5 m=35 s=20
